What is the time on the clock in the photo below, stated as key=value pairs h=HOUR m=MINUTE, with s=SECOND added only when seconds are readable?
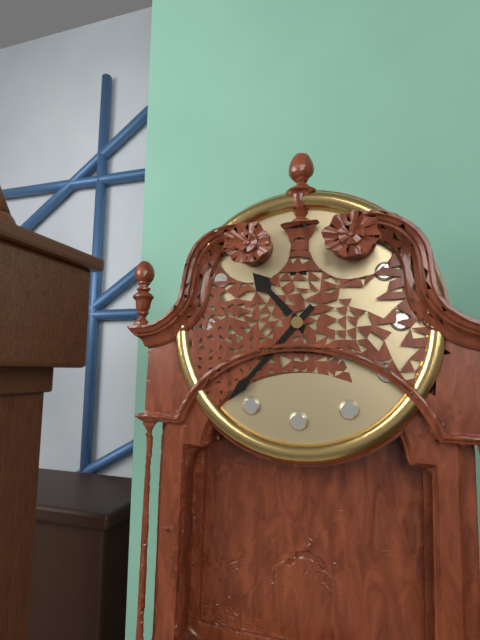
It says h=10 m=37
